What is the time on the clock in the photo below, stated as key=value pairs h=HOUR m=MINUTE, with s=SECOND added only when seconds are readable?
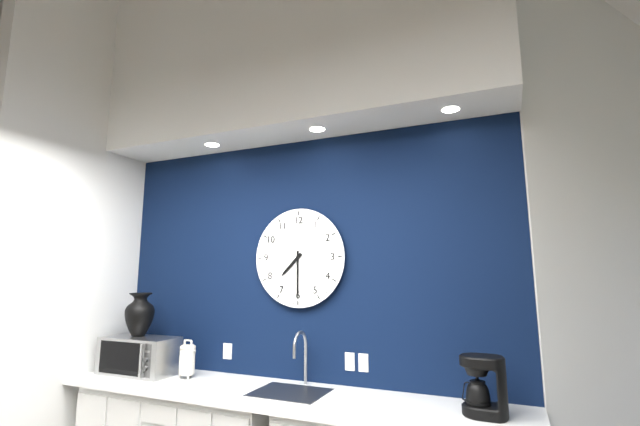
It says h=7 m=30
